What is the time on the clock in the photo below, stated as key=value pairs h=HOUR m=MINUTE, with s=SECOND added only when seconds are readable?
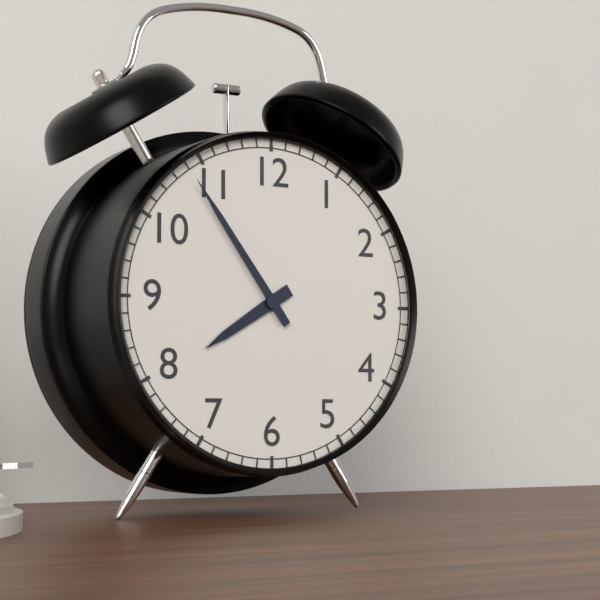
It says h=7 m=54
